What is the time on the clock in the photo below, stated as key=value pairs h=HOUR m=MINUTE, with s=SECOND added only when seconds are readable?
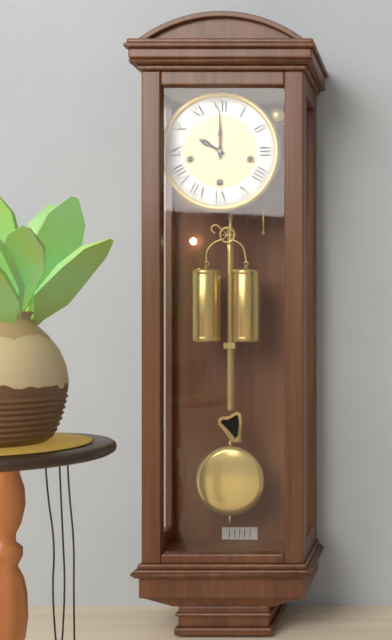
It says h=10 m=0
